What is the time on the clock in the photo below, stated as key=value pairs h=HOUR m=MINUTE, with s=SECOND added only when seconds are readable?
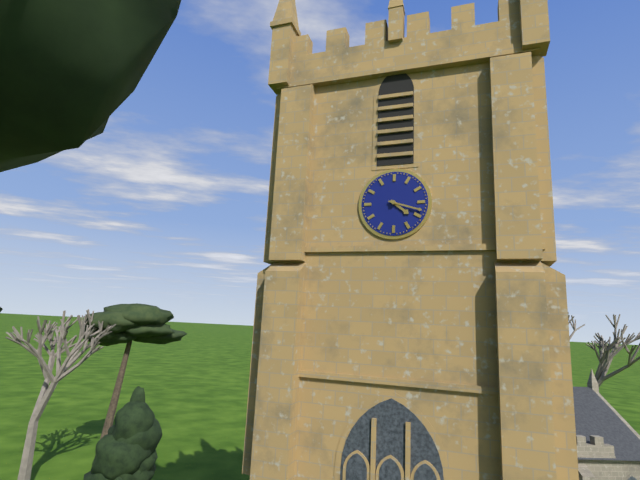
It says h=4 m=18
